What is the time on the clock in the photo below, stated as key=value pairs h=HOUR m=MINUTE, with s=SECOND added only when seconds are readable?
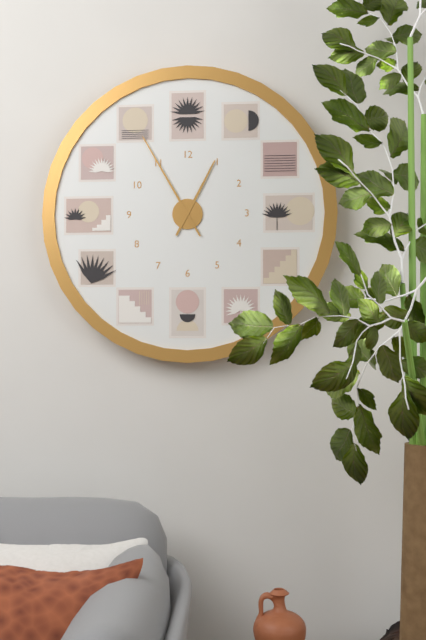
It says h=12 m=55
